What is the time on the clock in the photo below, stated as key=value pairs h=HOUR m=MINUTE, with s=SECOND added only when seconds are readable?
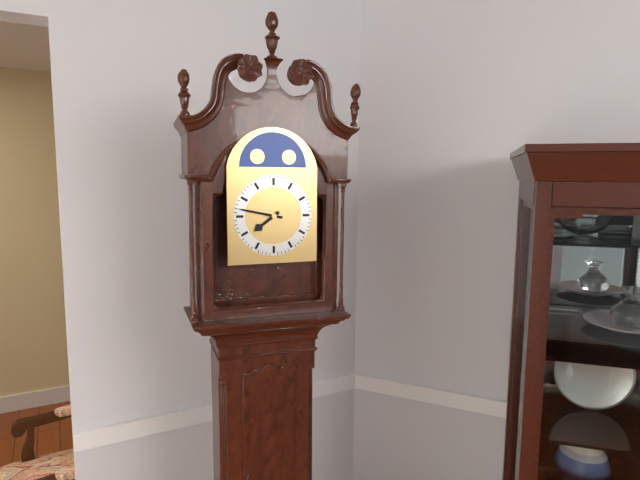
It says h=7 m=47
